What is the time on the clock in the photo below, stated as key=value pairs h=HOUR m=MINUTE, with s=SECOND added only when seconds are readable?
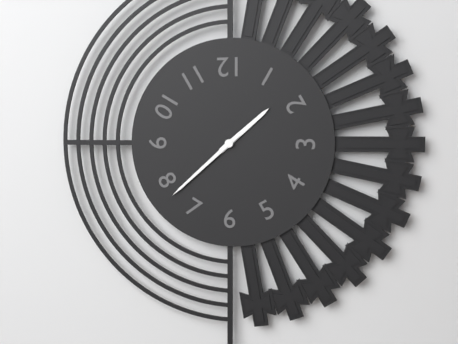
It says h=1 m=38
